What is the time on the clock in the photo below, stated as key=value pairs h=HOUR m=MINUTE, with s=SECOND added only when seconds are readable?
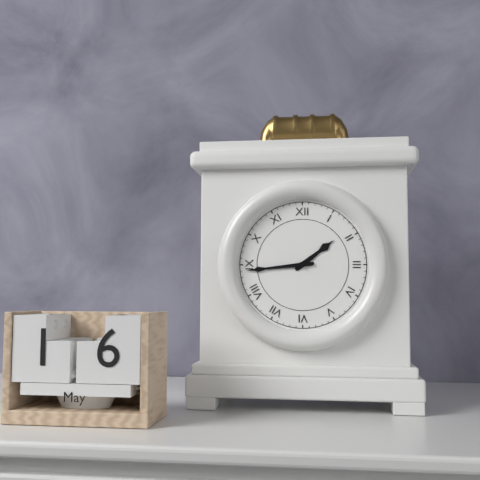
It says h=1 m=44
